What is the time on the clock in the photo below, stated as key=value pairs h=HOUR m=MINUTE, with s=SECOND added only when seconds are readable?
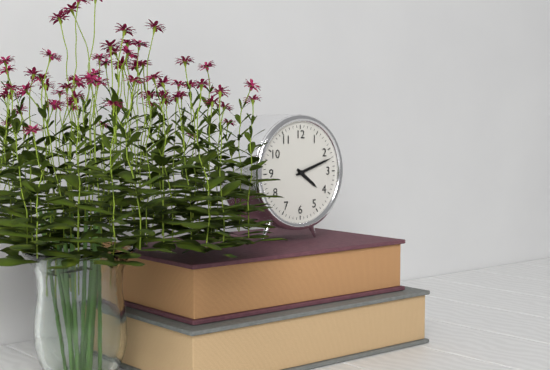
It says h=4 m=12
